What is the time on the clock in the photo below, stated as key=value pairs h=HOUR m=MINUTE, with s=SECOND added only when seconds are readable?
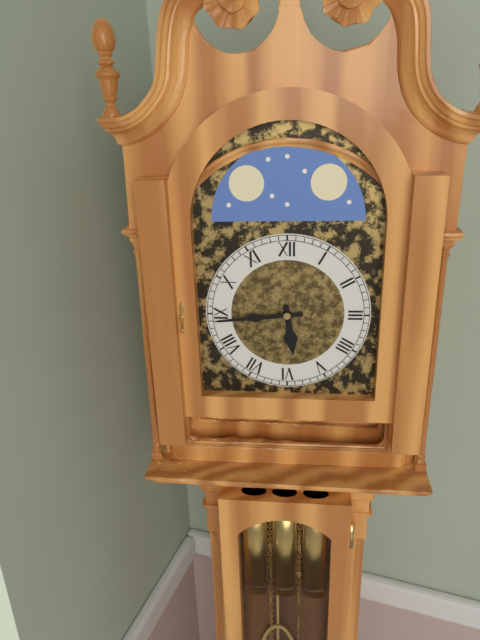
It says h=5 m=44
